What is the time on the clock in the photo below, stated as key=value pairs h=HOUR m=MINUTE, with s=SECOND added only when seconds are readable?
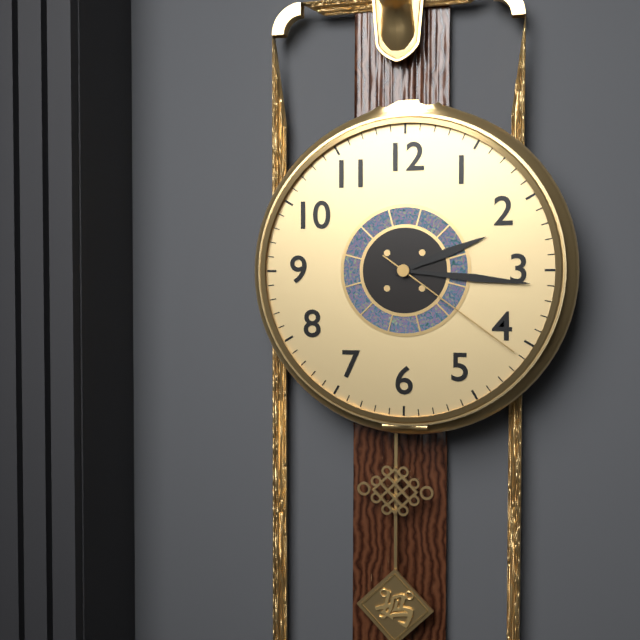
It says h=2 m=16 s=21
